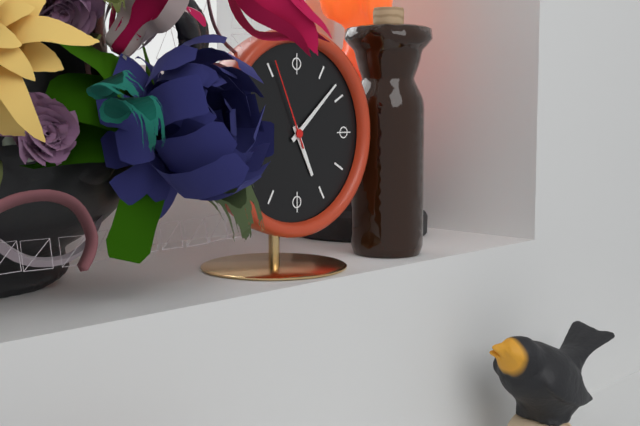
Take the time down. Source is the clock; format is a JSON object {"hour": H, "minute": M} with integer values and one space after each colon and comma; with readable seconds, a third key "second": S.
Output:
{"hour": 5, "minute": 8, "second": 56}
